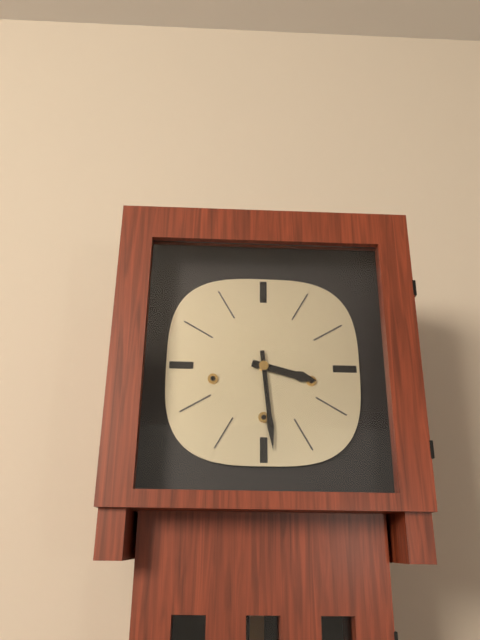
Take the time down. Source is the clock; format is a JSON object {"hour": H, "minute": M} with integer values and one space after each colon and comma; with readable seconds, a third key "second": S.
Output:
{"hour": 3, "minute": 29}
